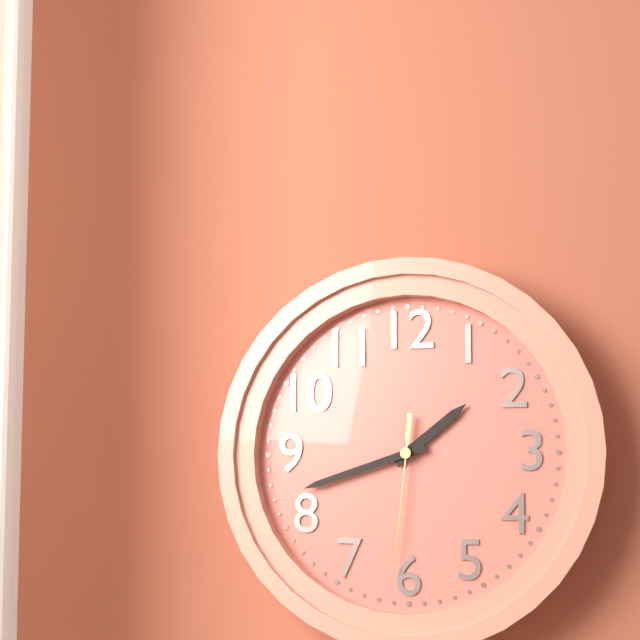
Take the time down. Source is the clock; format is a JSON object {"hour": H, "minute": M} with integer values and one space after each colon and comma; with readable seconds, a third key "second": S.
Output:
{"hour": 1, "minute": 42, "second": 31}
